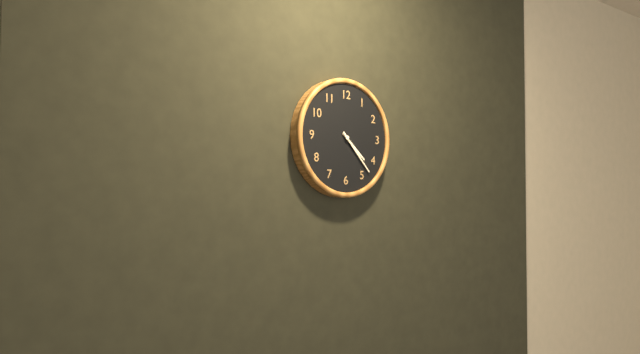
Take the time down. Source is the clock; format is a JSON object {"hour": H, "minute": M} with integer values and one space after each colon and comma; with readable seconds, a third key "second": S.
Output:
{"hour": 4, "minute": 23}
